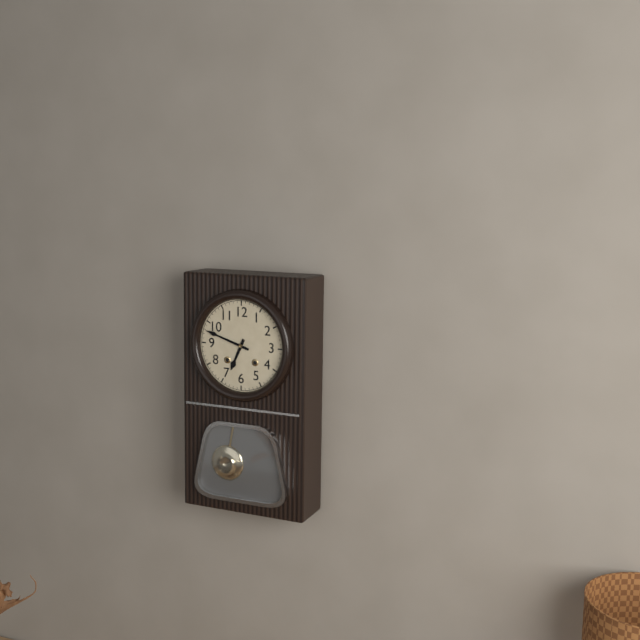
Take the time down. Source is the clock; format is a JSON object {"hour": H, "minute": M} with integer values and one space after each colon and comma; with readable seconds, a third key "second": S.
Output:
{"hour": 6, "minute": 48}
